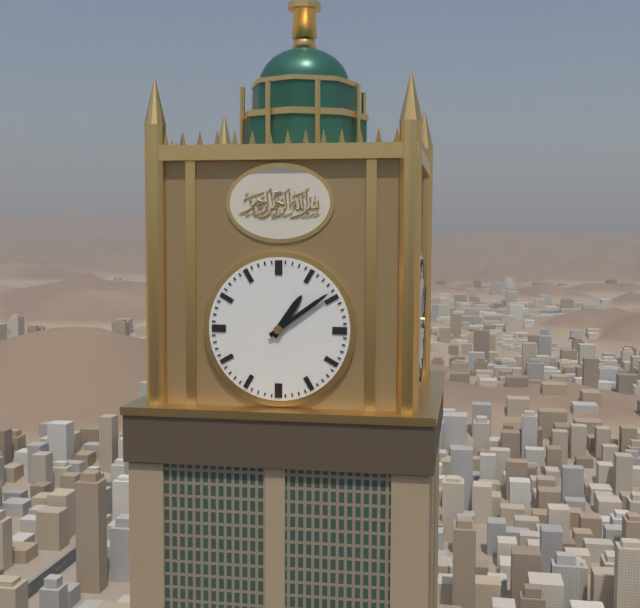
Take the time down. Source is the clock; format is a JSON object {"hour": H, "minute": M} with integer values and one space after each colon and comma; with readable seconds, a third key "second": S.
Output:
{"hour": 1, "minute": 9}
